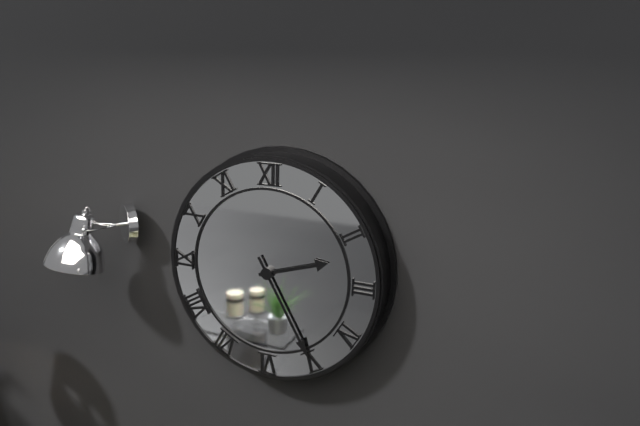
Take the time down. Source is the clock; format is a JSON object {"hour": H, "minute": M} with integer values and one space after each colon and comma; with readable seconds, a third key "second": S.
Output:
{"hour": 2, "minute": 25}
